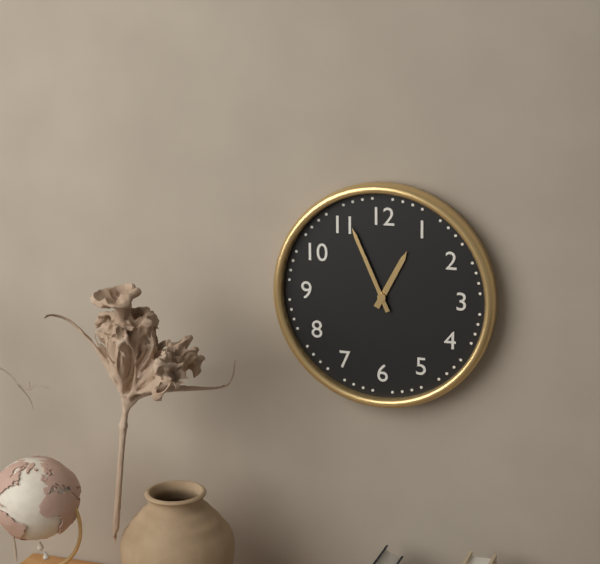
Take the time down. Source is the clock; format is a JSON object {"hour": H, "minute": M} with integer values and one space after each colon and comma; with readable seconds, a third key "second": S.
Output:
{"hour": 12, "minute": 56}
